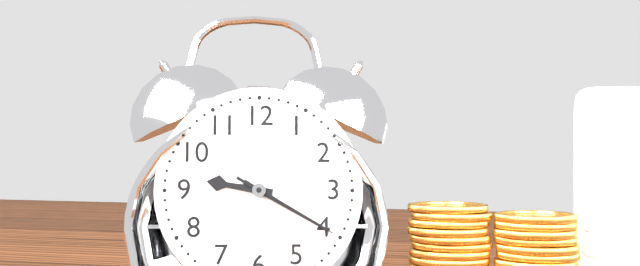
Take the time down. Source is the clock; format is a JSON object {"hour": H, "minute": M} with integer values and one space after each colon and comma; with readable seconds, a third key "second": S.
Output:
{"hour": 9, "minute": 20, "second": 20}
